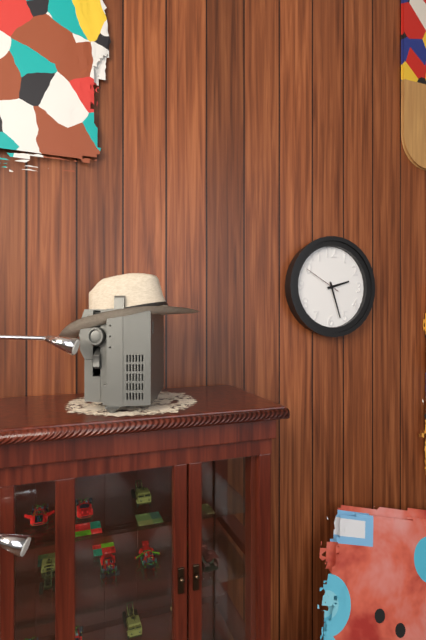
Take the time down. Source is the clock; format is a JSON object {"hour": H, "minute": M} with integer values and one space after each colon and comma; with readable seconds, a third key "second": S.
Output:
{"hour": 2, "minute": 27}
